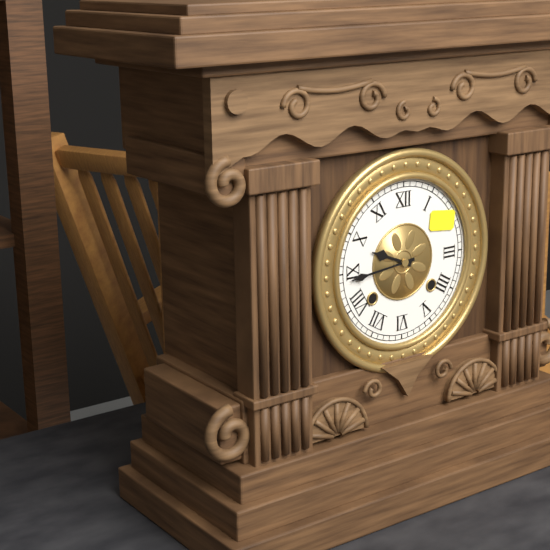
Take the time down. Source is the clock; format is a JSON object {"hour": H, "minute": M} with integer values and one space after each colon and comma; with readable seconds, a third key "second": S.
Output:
{"hour": 9, "minute": 44}
